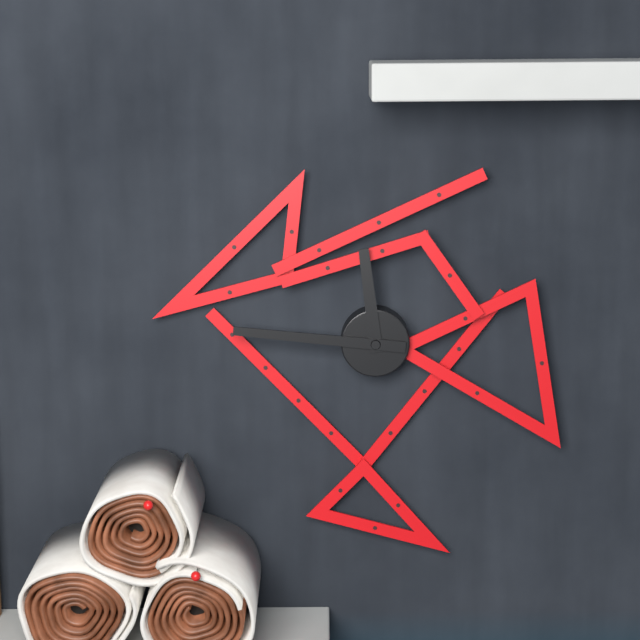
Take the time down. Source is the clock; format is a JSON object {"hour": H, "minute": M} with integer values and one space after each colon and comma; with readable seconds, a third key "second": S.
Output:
{"hour": 11, "minute": 46}
